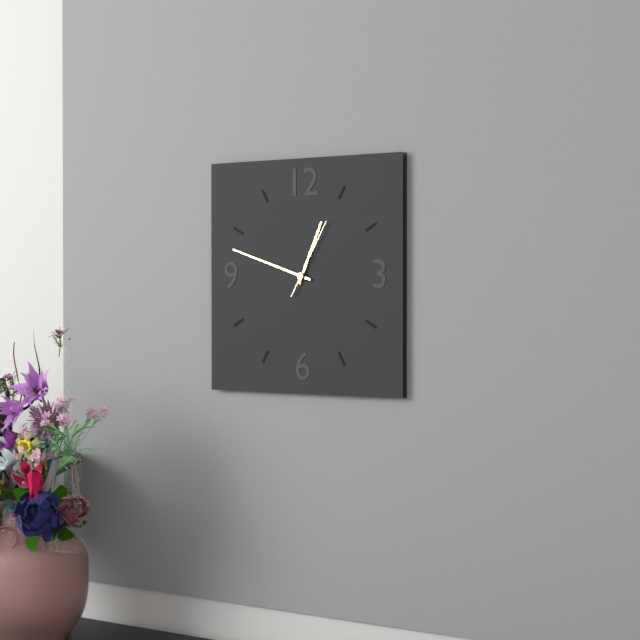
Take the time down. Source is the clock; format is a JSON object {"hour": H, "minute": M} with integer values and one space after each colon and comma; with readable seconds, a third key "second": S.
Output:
{"hour": 12, "minute": 48, "second": 5}
